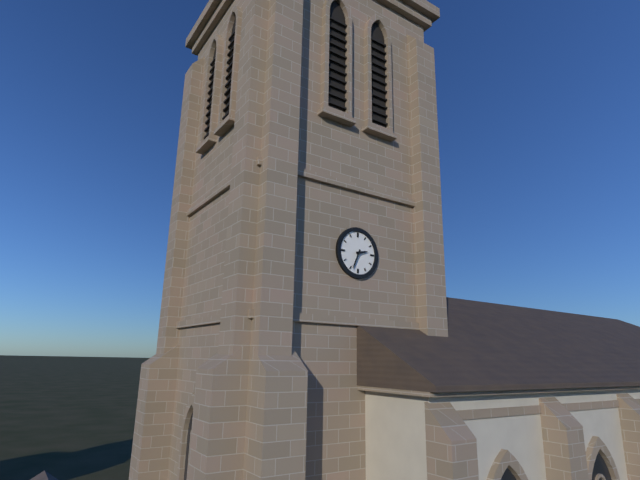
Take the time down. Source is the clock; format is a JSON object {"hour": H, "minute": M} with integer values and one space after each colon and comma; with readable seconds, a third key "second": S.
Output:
{"hour": 2, "minute": 34}
